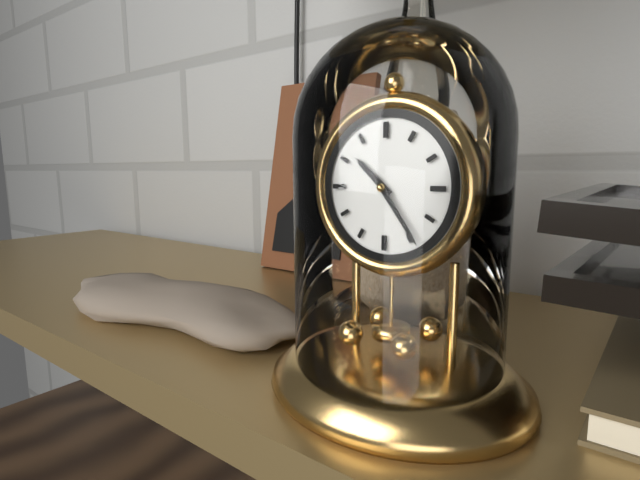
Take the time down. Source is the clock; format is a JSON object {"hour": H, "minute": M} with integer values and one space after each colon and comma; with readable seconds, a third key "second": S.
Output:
{"hour": 10, "minute": 24}
